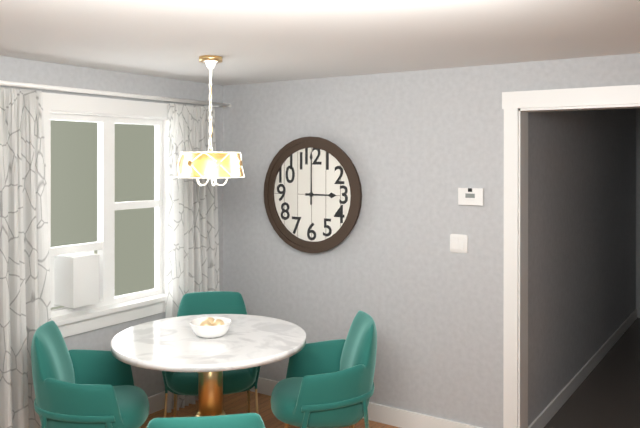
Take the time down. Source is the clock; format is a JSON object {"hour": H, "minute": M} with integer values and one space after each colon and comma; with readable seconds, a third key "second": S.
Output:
{"hour": 3, "minute": 0}
